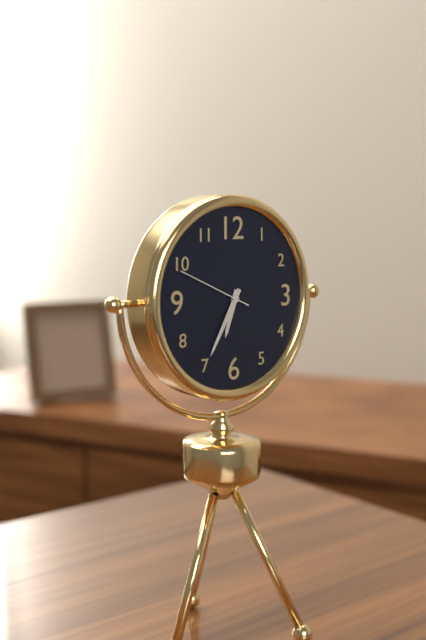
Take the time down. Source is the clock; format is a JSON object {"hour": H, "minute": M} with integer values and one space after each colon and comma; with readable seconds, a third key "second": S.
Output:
{"hour": 6, "minute": 35, "second": 49}
